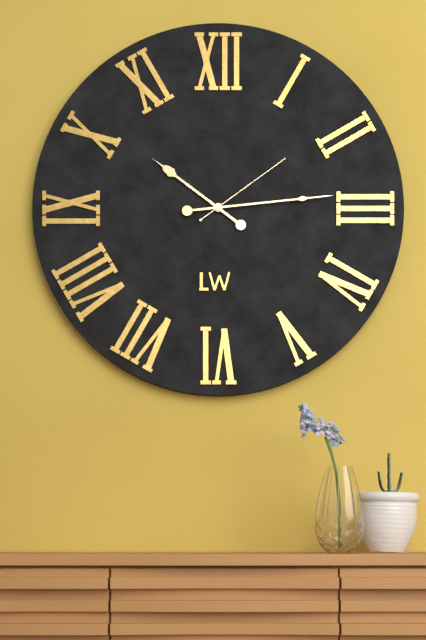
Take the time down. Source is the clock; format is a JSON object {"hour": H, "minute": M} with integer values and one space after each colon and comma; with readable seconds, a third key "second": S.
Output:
{"hour": 10, "minute": 14, "second": 9}
